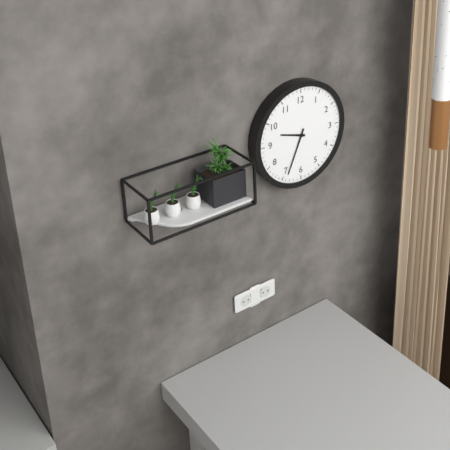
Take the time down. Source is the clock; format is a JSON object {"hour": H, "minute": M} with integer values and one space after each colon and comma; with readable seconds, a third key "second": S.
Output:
{"hour": 9, "minute": 34}
